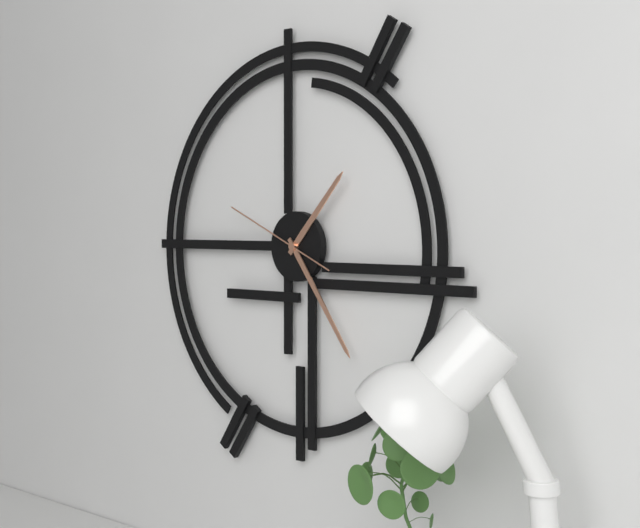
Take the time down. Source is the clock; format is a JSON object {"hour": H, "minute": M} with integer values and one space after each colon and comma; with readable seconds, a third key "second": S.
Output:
{"hour": 1, "minute": 24, "second": 49}
